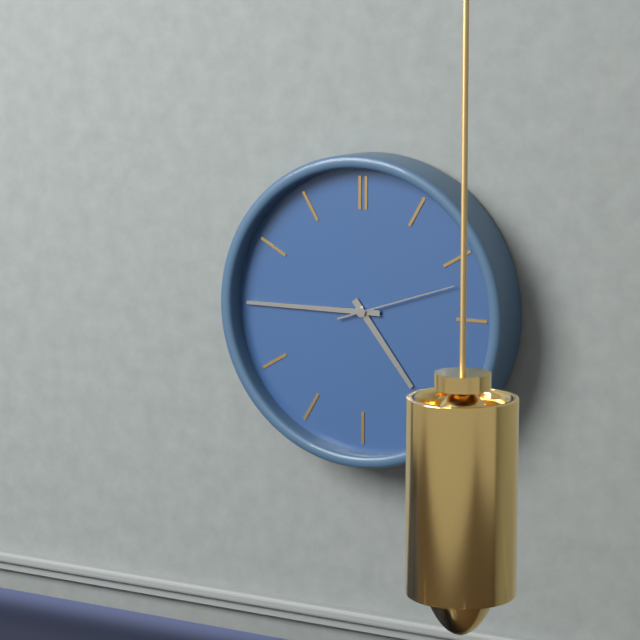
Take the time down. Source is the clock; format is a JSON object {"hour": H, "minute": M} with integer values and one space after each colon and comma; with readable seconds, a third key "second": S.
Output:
{"hour": 4, "minute": 45, "second": 12}
